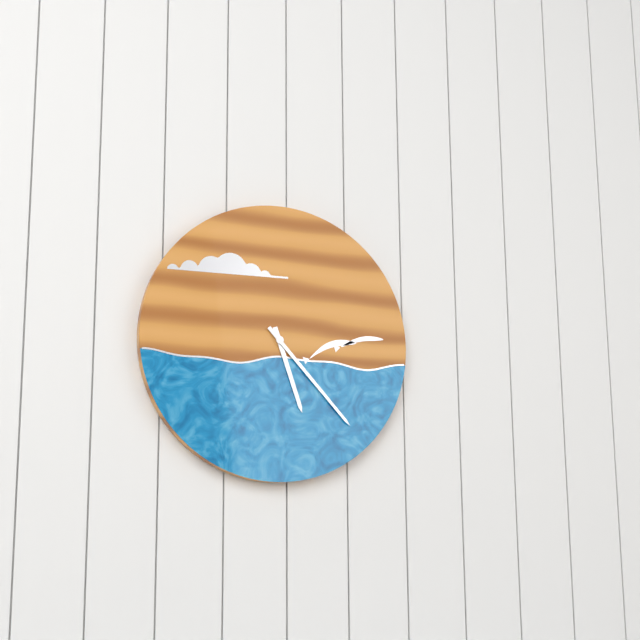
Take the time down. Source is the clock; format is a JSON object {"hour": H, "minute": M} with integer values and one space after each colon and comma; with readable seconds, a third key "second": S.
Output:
{"hour": 5, "minute": 23}
